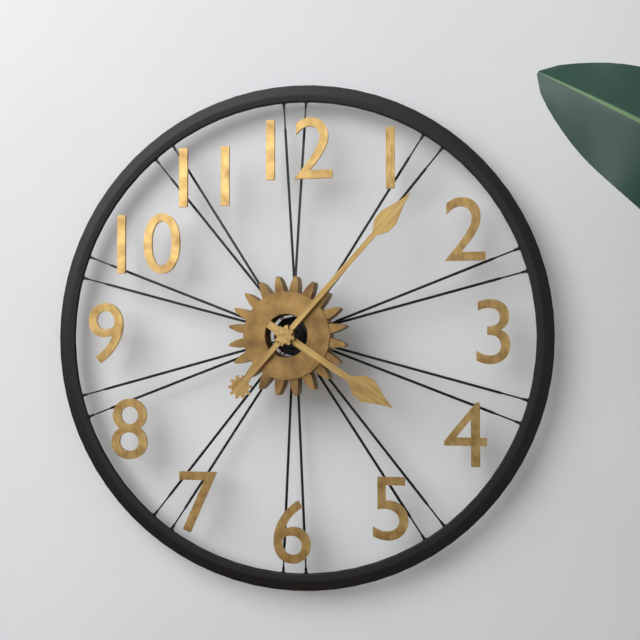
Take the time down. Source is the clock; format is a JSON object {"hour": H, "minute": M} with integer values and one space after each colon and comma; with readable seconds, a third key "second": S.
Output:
{"hour": 4, "minute": 7}
